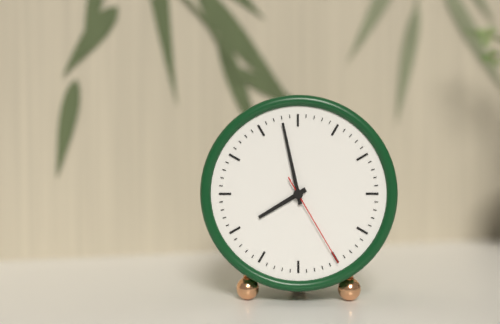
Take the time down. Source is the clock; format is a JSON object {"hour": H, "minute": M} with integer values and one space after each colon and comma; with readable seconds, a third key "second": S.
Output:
{"hour": 7, "minute": 58, "second": 25}
